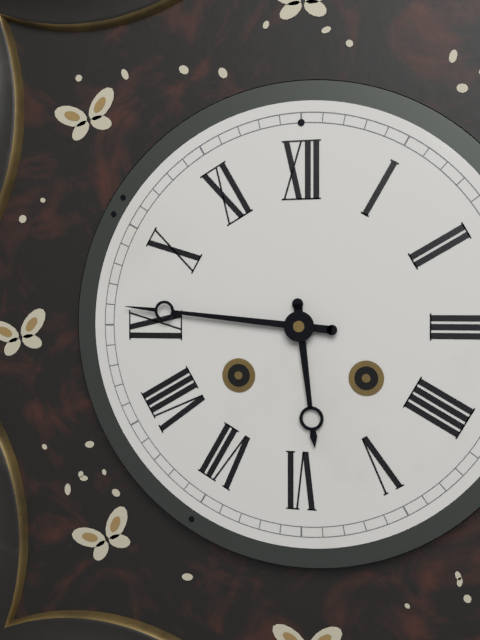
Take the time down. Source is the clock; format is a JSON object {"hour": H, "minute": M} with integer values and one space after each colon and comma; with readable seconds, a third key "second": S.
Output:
{"hour": 5, "minute": 46}
